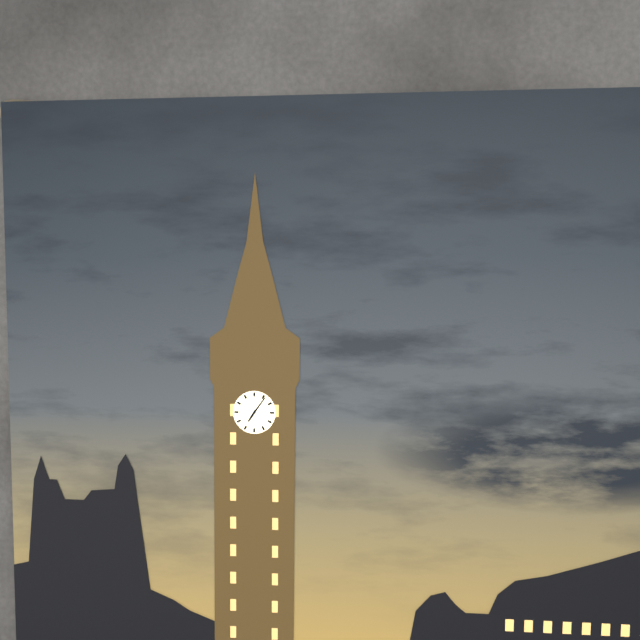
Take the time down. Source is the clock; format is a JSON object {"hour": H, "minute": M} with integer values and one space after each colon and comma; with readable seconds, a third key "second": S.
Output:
{"hour": 7, "minute": 6}
